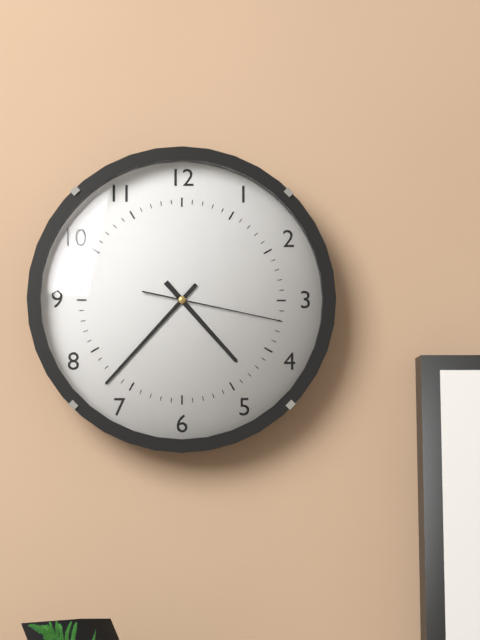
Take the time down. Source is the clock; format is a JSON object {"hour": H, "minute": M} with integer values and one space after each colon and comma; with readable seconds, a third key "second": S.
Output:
{"hour": 4, "minute": 37, "second": 17}
